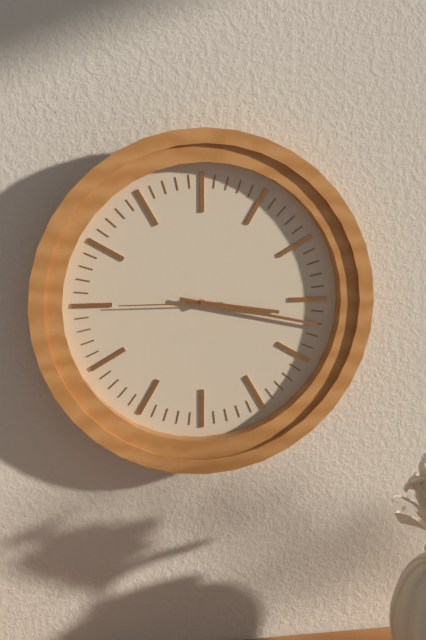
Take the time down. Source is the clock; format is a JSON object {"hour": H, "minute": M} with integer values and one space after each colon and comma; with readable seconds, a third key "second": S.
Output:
{"hour": 3, "minute": 17, "second": 45}
